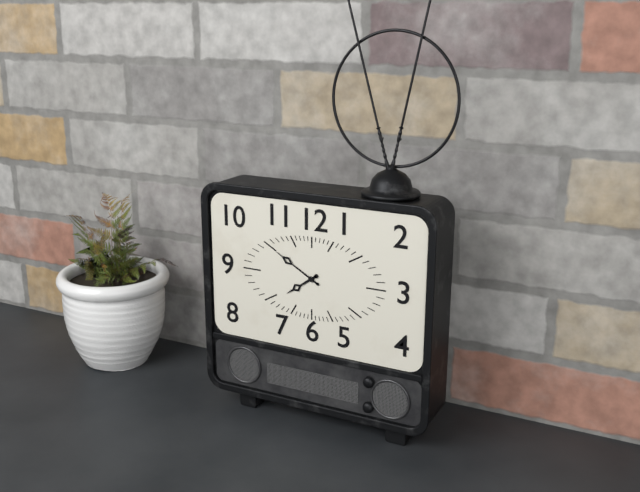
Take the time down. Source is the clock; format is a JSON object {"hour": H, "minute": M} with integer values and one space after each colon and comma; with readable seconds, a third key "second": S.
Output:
{"hour": 7, "minute": 50}
